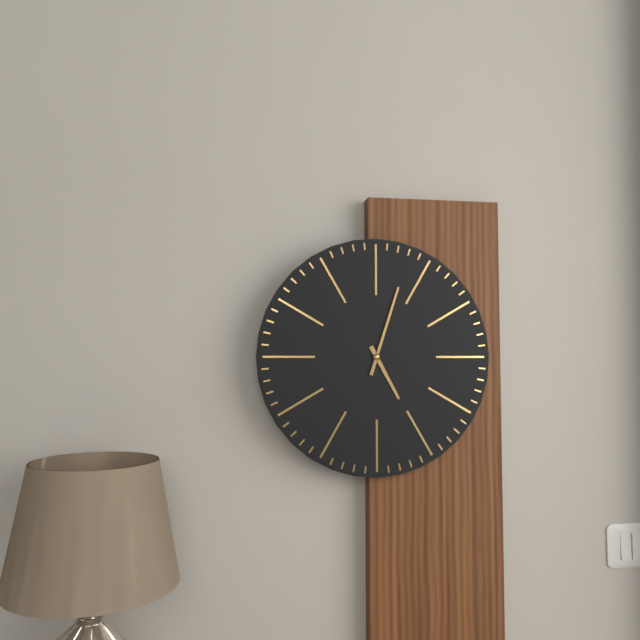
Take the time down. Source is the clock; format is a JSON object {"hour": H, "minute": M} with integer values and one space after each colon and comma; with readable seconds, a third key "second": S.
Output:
{"hour": 5, "minute": 3}
